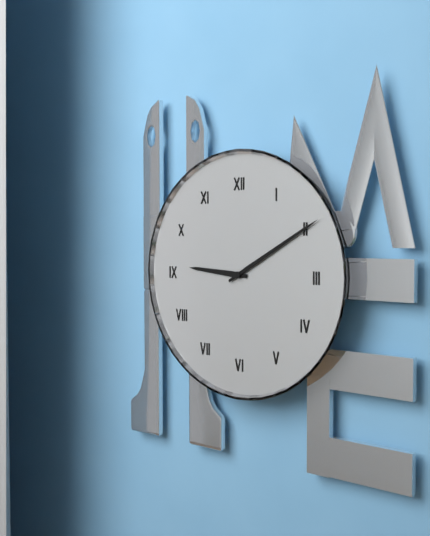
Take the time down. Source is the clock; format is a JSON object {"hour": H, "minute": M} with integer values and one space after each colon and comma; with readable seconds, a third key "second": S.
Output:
{"hour": 9, "minute": 10}
